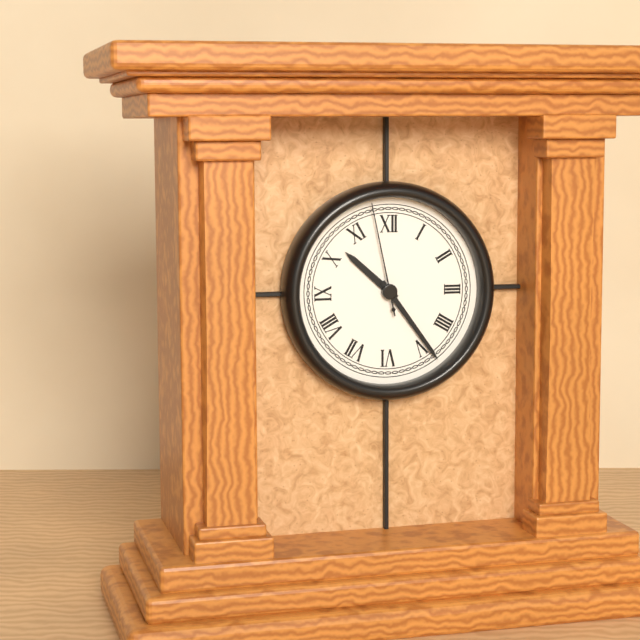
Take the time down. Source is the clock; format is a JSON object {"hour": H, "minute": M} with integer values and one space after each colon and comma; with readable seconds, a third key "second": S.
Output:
{"hour": 10, "minute": 24, "second": 58}
